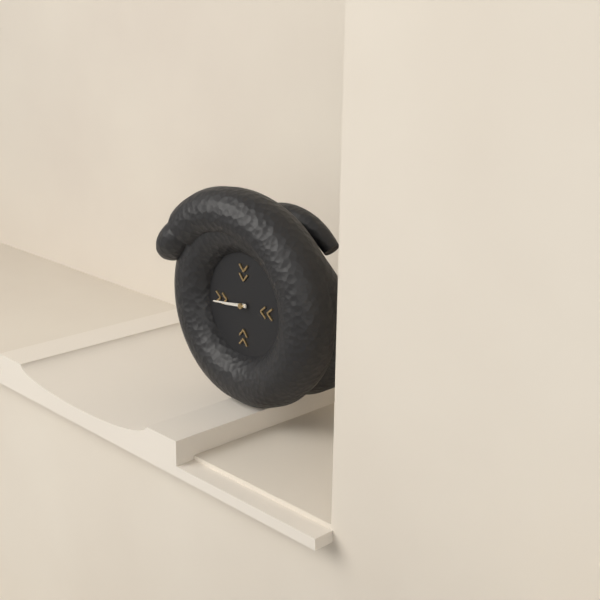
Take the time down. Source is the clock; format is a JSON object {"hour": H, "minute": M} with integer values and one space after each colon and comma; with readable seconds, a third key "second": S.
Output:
{"hour": 8, "minute": 44}
